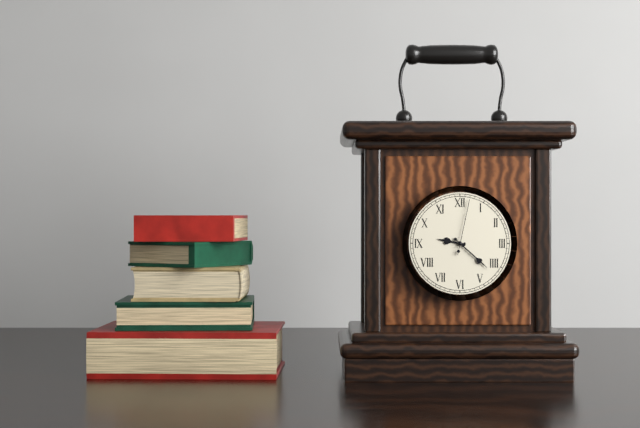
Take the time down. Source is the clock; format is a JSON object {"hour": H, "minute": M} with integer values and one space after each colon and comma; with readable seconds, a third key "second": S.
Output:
{"hour": 9, "minute": 22, "second": 2}
